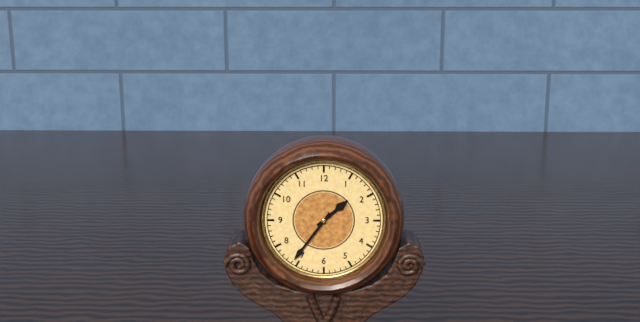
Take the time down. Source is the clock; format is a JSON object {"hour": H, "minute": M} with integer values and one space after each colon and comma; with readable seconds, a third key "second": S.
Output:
{"hour": 1, "minute": 36}
